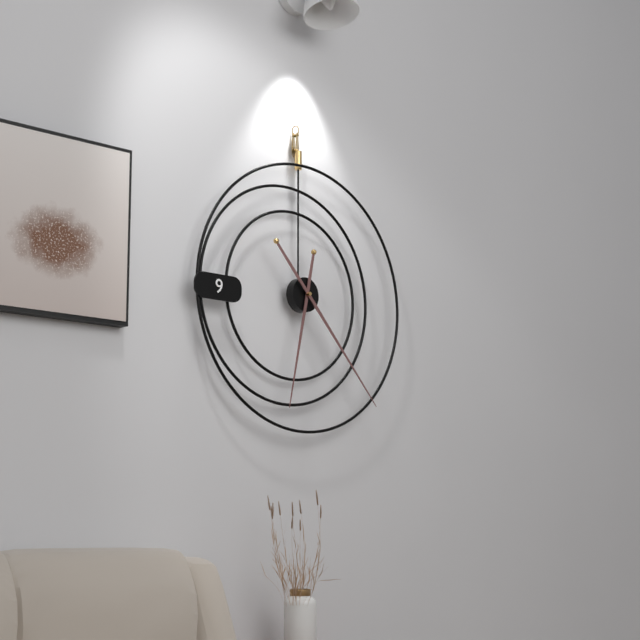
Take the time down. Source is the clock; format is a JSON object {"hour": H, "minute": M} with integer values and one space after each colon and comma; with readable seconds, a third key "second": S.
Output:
{"hour": 6, "minute": 23}
